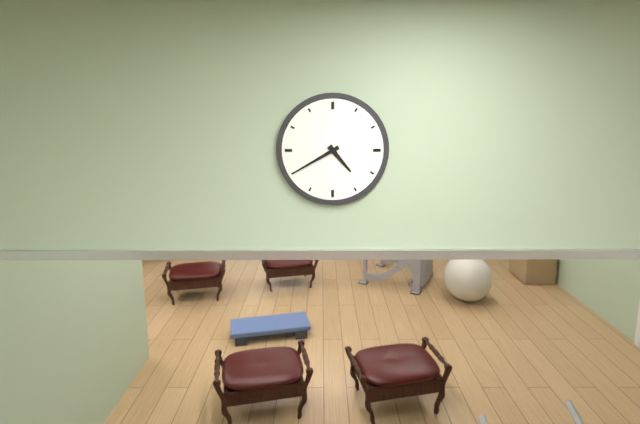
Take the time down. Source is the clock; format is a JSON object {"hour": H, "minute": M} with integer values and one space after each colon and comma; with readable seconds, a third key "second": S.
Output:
{"hour": 4, "minute": 40}
